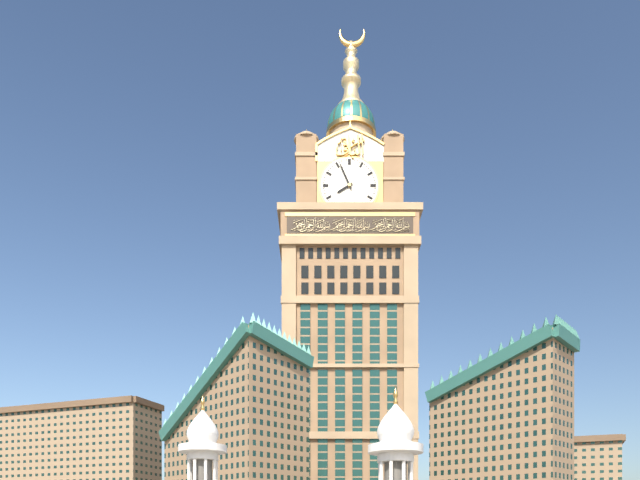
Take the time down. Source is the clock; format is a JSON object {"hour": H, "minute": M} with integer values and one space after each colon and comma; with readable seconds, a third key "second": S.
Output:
{"hour": 7, "minute": 56}
